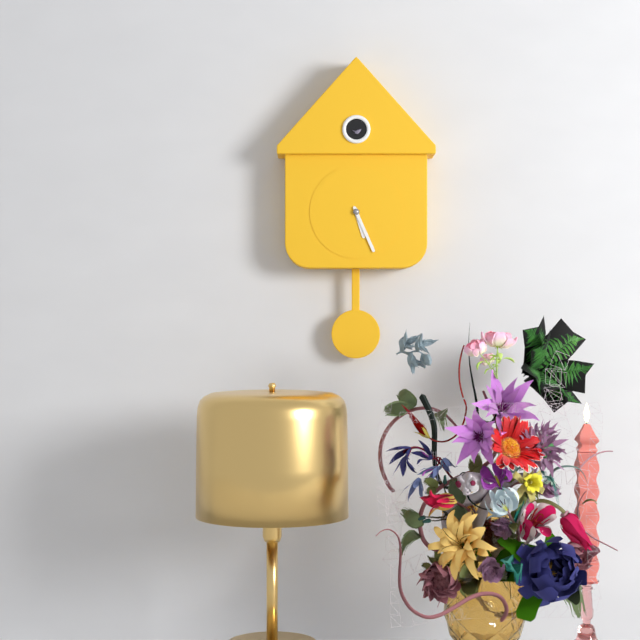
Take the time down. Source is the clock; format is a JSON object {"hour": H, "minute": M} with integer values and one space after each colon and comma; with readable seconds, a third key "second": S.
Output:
{"hour": 5, "minute": 26}
